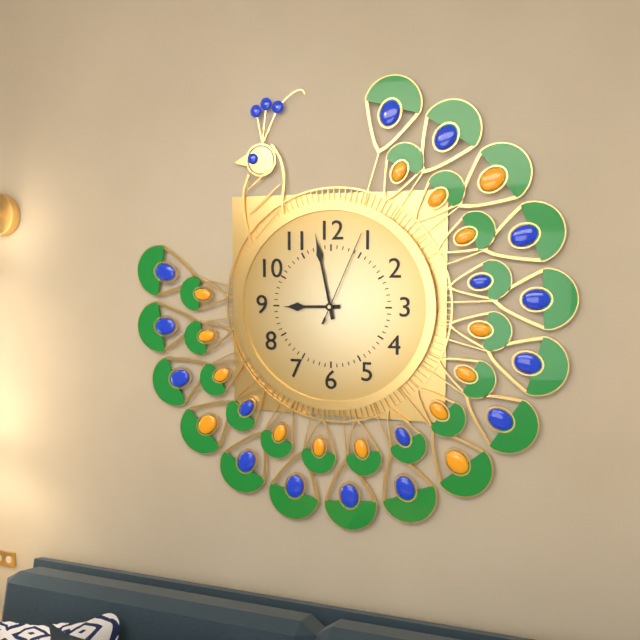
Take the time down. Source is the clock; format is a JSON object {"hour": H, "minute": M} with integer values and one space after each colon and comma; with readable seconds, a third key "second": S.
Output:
{"hour": 8, "minute": 58, "second": 4}
